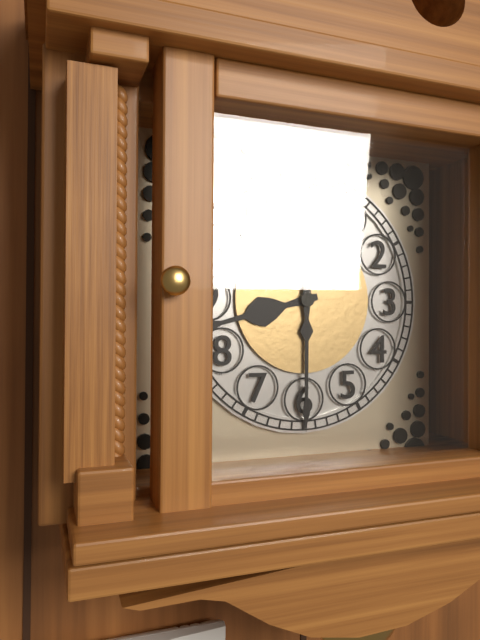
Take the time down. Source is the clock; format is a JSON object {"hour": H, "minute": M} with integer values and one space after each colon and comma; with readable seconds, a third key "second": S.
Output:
{"hour": 8, "minute": 30}
